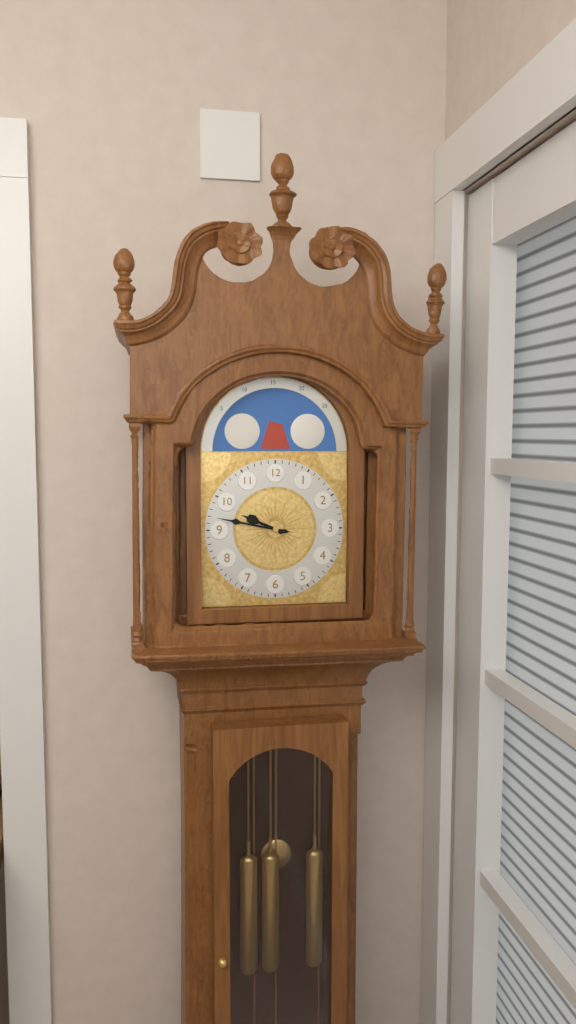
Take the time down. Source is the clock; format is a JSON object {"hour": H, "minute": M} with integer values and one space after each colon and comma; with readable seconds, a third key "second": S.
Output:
{"hour": 9, "minute": 47}
